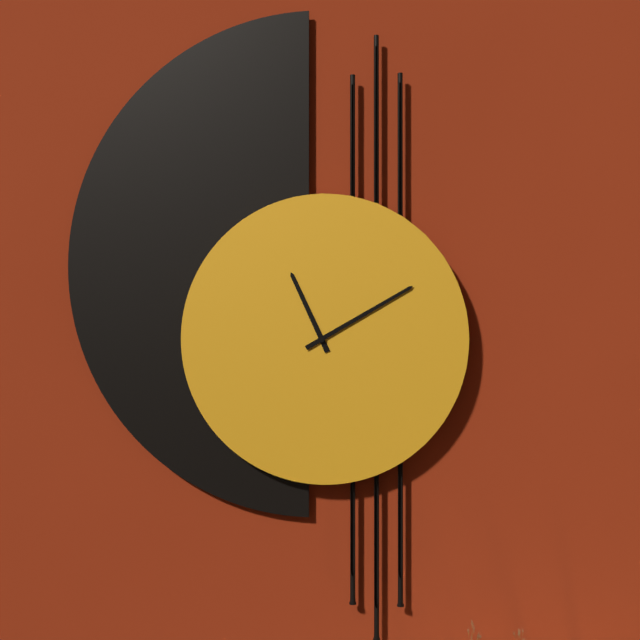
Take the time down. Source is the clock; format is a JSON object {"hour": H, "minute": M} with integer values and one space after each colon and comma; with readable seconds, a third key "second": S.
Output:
{"hour": 11, "minute": 10}
